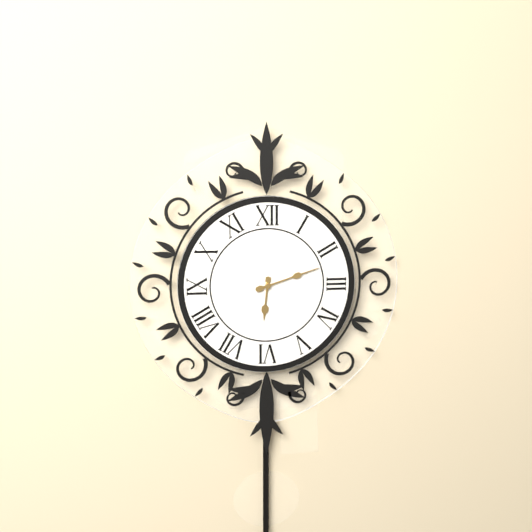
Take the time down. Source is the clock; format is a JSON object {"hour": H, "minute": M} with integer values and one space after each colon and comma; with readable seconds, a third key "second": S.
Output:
{"hour": 6, "minute": 12}
